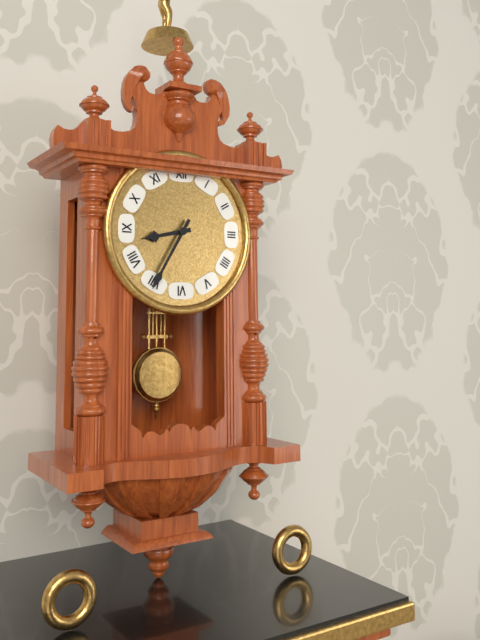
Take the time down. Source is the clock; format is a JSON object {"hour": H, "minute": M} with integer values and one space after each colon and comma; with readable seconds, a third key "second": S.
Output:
{"hour": 8, "minute": 35}
